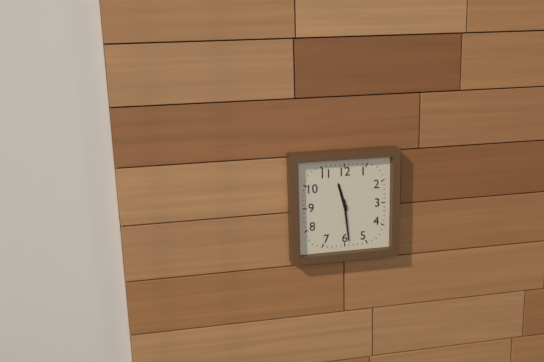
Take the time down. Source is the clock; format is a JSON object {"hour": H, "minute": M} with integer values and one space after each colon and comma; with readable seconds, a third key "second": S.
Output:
{"hour": 11, "minute": 29}
